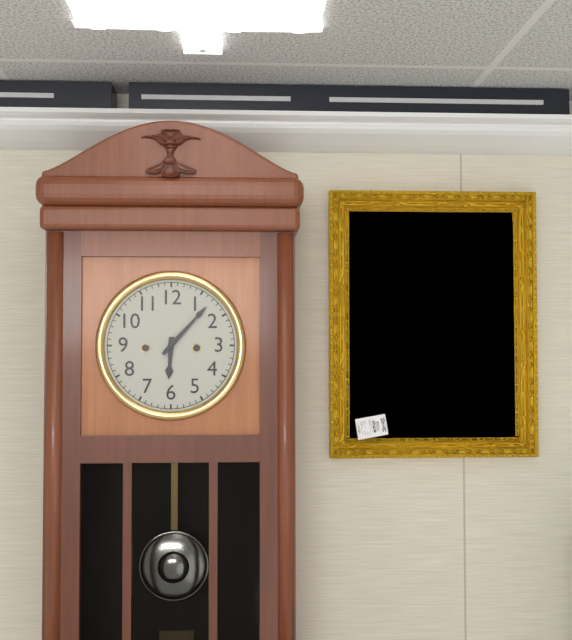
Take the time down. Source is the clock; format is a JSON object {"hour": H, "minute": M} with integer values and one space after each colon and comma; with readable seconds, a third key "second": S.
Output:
{"hour": 6, "minute": 7}
